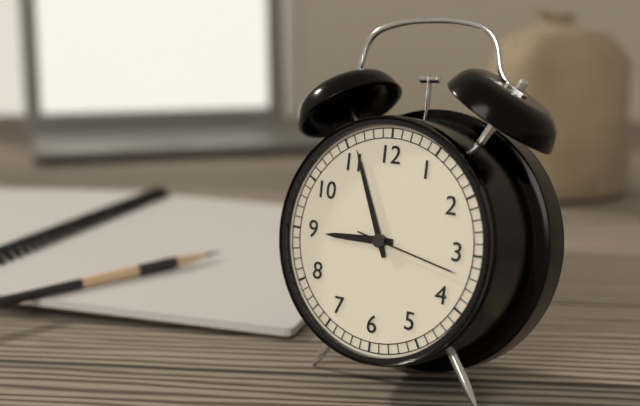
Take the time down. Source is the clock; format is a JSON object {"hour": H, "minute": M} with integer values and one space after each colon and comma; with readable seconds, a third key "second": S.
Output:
{"hour": 8, "minute": 56, "second": 17}
